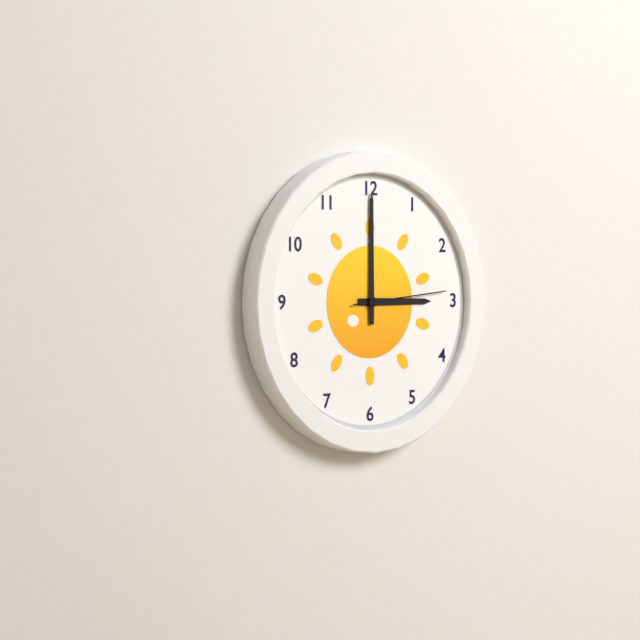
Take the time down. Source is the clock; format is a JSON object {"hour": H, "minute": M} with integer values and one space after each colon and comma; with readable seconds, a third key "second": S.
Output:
{"hour": 3, "minute": 0, "second": 14}
